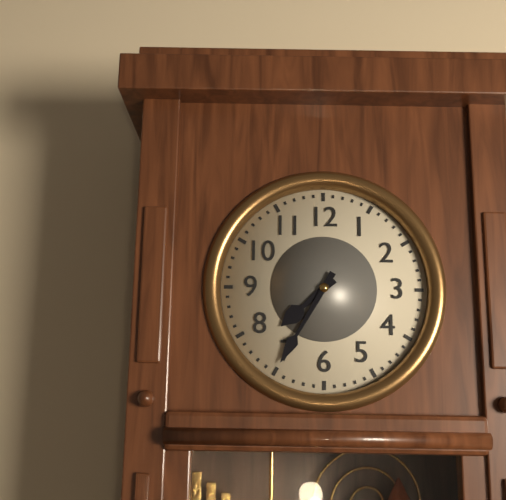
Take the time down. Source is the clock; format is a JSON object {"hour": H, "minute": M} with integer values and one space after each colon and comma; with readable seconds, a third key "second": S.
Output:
{"hour": 7, "minute": 35}
